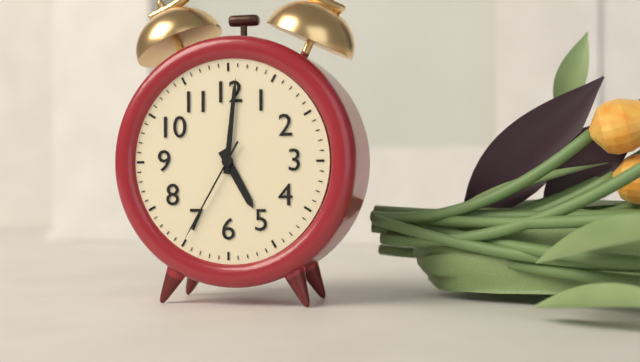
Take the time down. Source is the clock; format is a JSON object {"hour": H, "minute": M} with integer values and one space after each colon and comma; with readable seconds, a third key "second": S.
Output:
{"hour": 5, "minute": 1, "second": 35}
